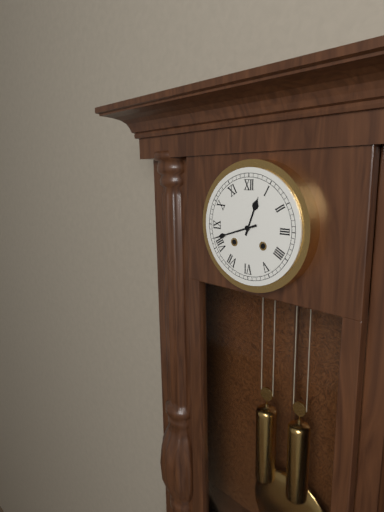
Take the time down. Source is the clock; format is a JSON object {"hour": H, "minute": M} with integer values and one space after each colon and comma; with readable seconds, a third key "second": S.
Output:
{"hour": 12, "minute": 42}
